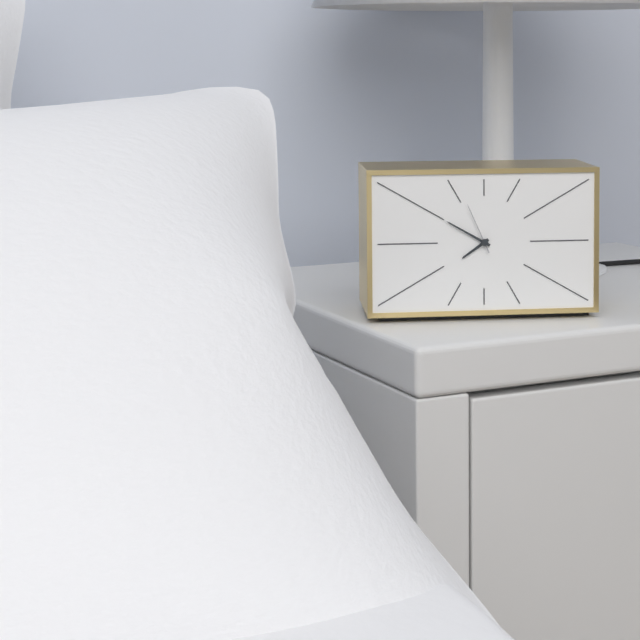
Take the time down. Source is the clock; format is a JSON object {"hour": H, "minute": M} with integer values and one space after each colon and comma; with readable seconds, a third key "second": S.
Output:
{"hour": 7, "minute": 50, "second": 56}
